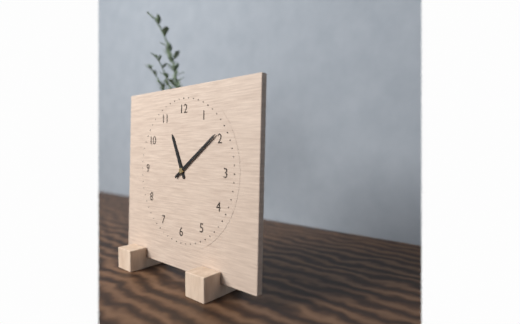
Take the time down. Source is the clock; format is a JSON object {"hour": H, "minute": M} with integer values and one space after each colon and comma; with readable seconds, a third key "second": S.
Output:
{"hour": 11, "minute": 9}
